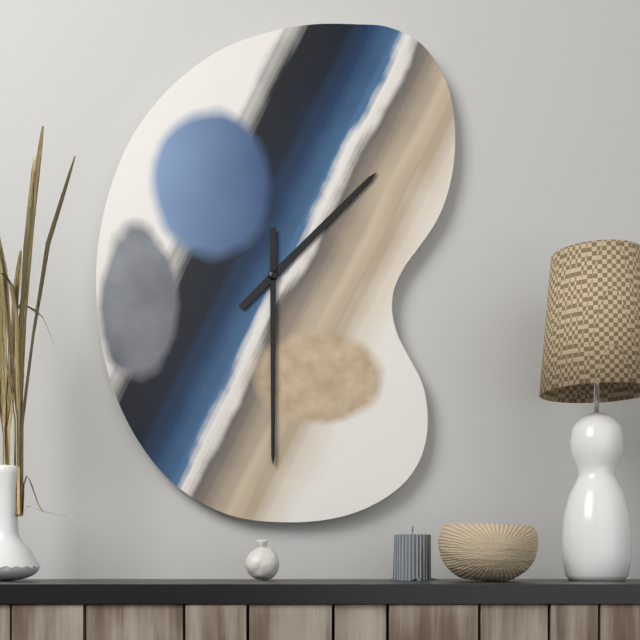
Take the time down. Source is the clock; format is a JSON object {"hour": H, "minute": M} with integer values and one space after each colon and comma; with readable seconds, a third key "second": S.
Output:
{"hour": 1, "minute": 30}
